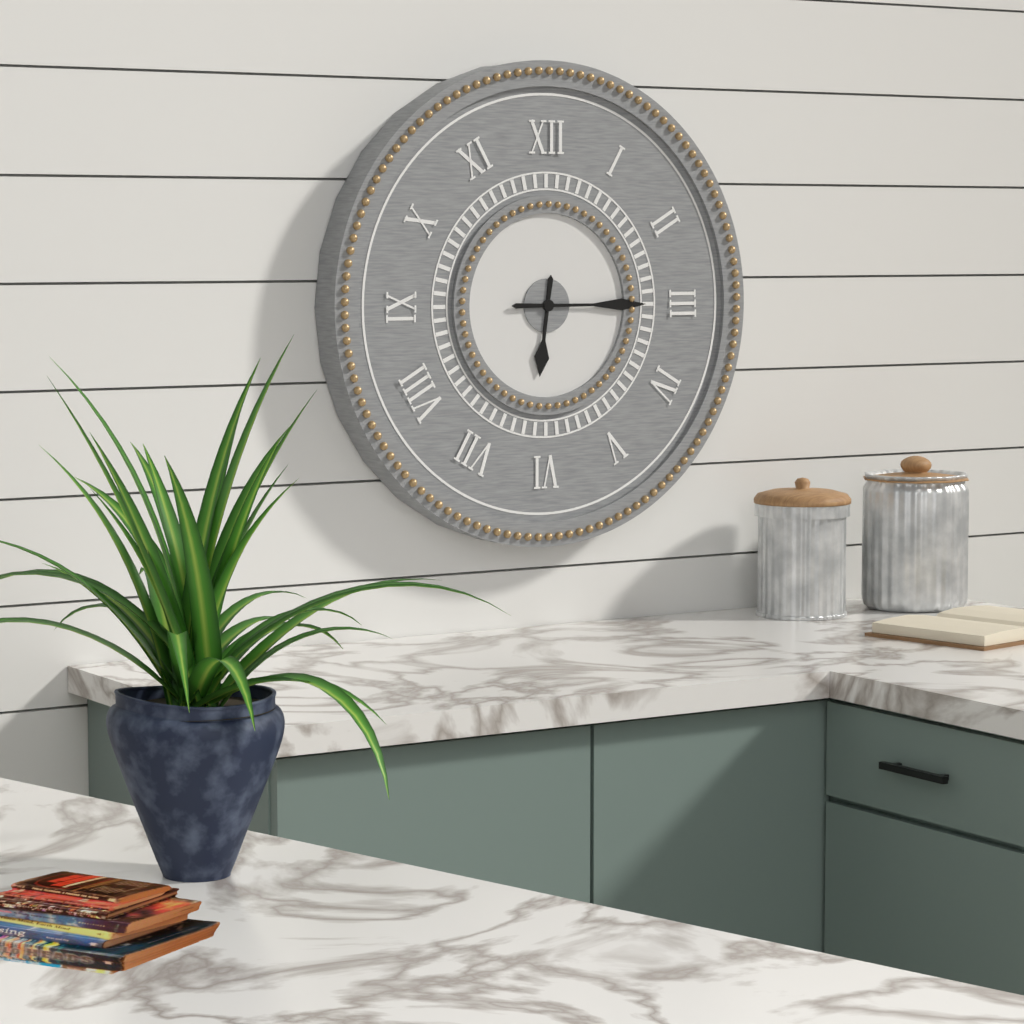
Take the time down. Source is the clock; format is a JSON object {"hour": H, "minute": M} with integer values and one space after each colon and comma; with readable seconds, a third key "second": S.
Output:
{"hour": 6, "minute": 15}
